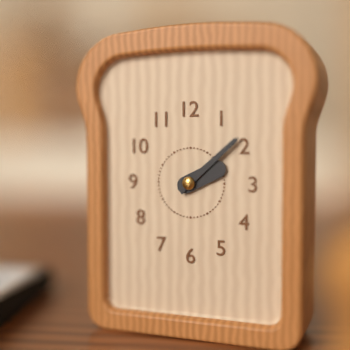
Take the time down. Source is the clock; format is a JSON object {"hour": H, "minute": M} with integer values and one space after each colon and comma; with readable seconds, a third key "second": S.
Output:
{"hour": 2, "minute": 8}
